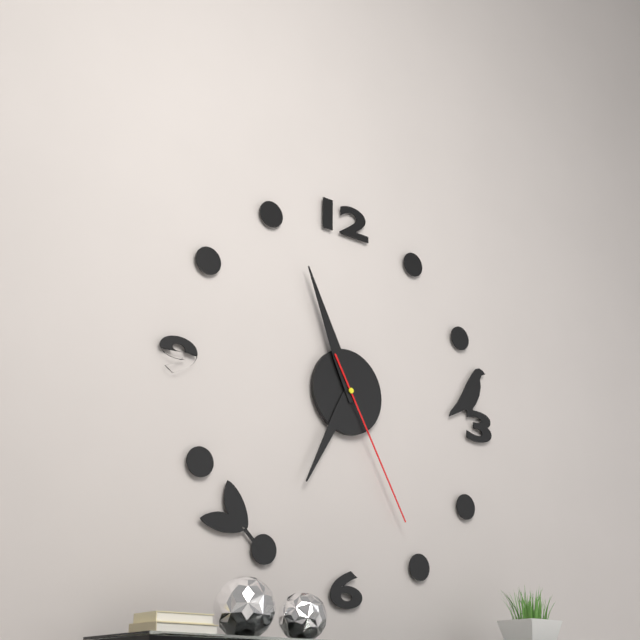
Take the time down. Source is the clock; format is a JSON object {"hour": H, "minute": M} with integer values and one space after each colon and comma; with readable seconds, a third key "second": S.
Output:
{"hour": 6, "minute": 56, "second": 25}
